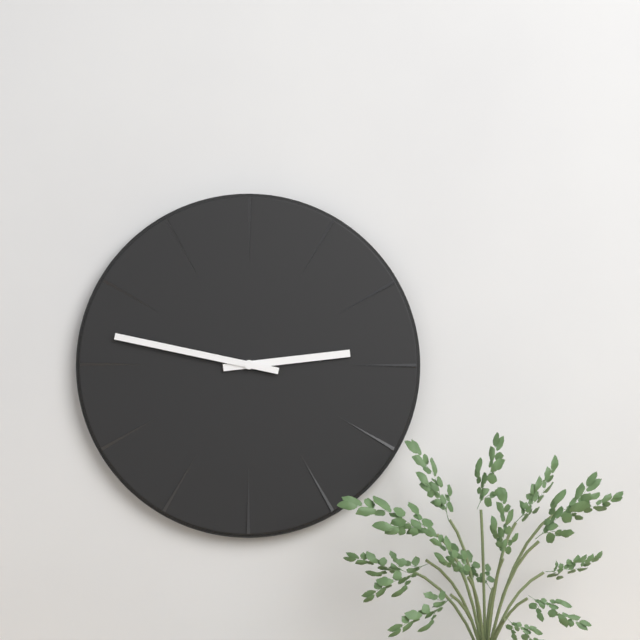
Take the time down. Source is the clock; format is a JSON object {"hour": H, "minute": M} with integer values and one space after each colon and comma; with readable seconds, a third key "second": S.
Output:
{"hour": 2, "minute": 47}
